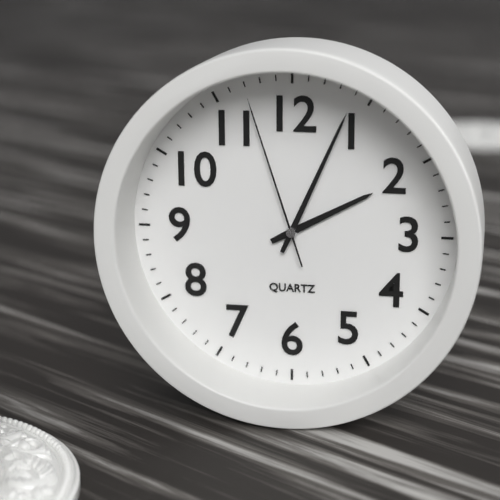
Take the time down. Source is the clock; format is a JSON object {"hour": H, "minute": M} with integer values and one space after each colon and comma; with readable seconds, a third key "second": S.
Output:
{"hour": 2, "minute": 4, "second": 57}
